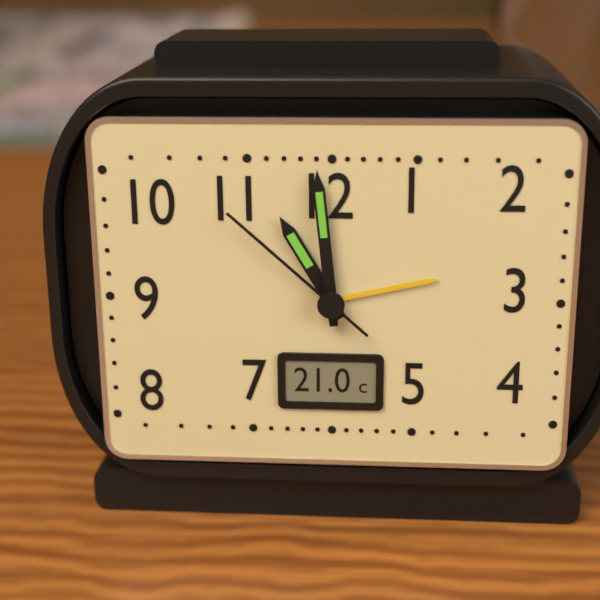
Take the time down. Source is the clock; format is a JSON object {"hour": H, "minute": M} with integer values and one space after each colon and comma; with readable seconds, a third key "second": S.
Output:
{"hour": 10, "minute": 59, "second": 52}
